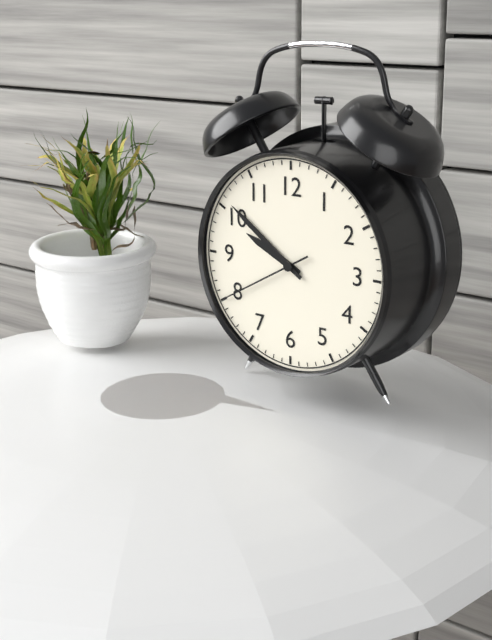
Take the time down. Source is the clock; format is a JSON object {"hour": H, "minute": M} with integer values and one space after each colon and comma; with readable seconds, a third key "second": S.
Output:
{"hour": 9, "minute": 51, "second": 40}
